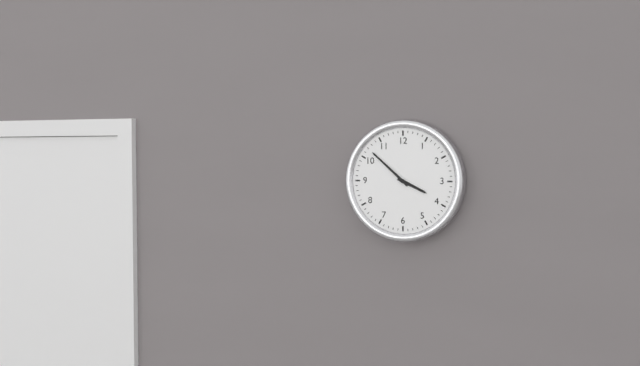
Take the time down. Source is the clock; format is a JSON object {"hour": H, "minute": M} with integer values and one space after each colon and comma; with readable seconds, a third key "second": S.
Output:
{"hour": 3, "minute": 52}
